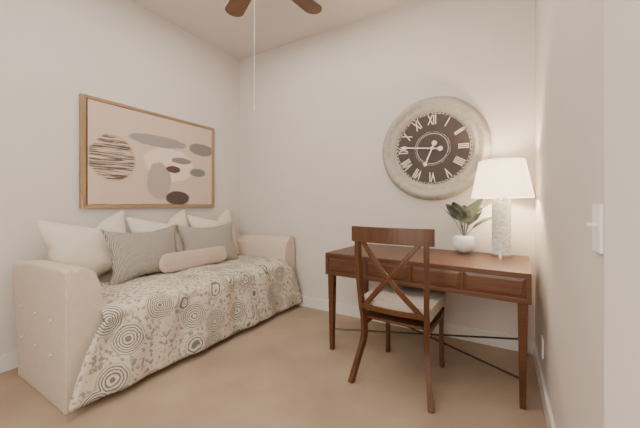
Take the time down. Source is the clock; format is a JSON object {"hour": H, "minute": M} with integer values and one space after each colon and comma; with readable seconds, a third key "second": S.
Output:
{"hour": 6, "minute": 46}
